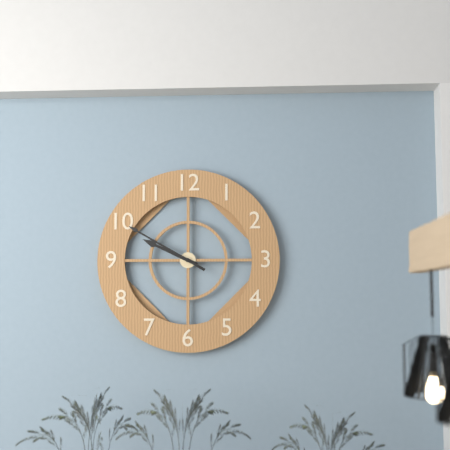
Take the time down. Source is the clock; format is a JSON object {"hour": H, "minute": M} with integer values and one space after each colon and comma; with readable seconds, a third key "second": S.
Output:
{"hour": 9, "minute": 50}
